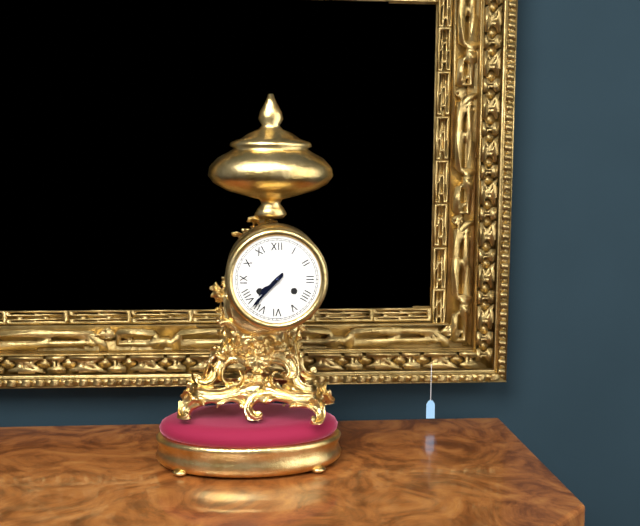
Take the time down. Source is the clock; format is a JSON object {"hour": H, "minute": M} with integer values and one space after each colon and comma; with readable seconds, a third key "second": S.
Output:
{"hour": 7, "minute": 37}
